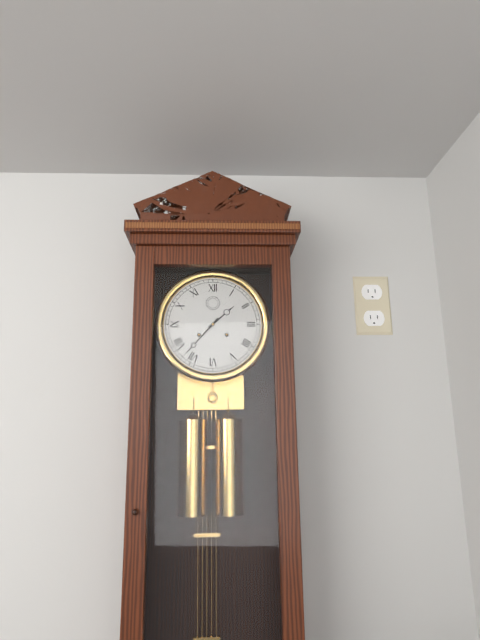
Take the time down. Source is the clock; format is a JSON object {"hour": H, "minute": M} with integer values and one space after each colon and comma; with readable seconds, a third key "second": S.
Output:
{"hour": 1, "minute": 37}
